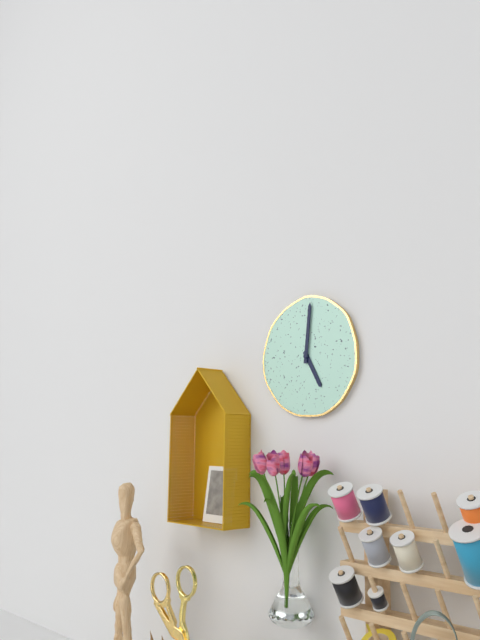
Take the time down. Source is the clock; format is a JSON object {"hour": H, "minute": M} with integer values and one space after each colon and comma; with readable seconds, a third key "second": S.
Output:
{"hour": 5, "minute": 1}
